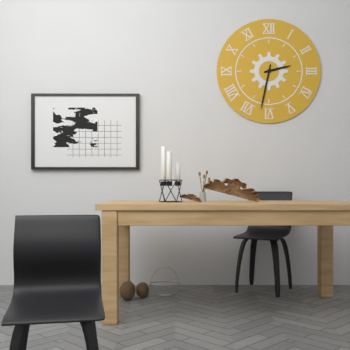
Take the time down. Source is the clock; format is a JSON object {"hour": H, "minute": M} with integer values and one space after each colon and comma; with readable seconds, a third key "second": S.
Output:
{"hour": 2, "minute": 32}
